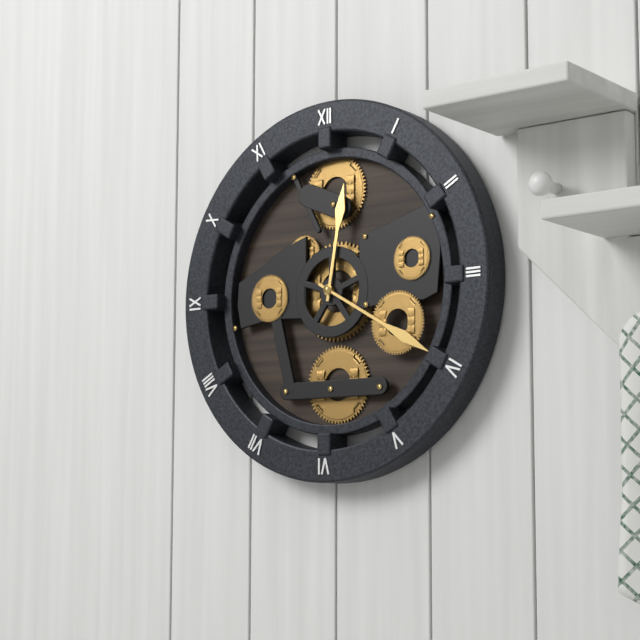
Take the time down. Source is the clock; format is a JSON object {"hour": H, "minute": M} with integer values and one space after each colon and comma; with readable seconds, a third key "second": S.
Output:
{"hour": 12, "minute": 20}
